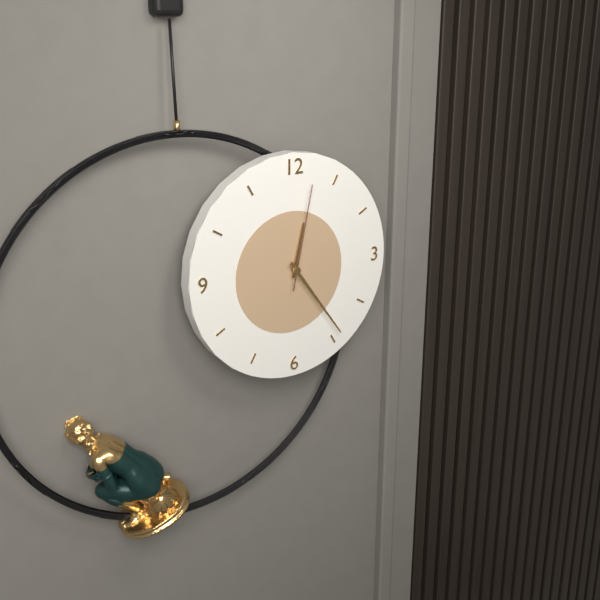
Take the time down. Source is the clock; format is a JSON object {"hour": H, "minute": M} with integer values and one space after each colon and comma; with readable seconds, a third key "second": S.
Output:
{"hour": 12, "minute": 24, "second": 2}
